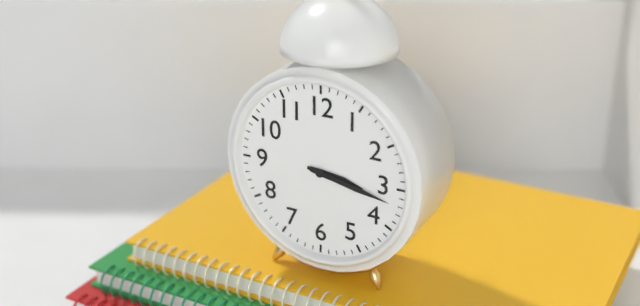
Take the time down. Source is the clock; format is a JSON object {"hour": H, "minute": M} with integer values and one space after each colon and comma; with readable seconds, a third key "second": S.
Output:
{"hour": 3, "minute": 17}
